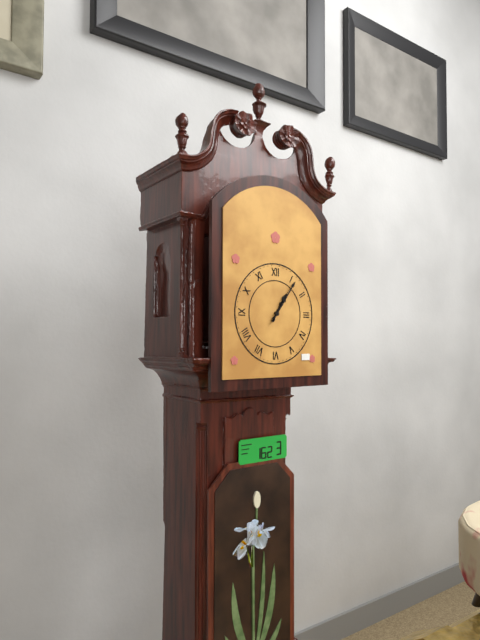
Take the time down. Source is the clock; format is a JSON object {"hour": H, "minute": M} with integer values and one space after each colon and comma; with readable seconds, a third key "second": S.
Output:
{"hour": 1, "minute": 6}
